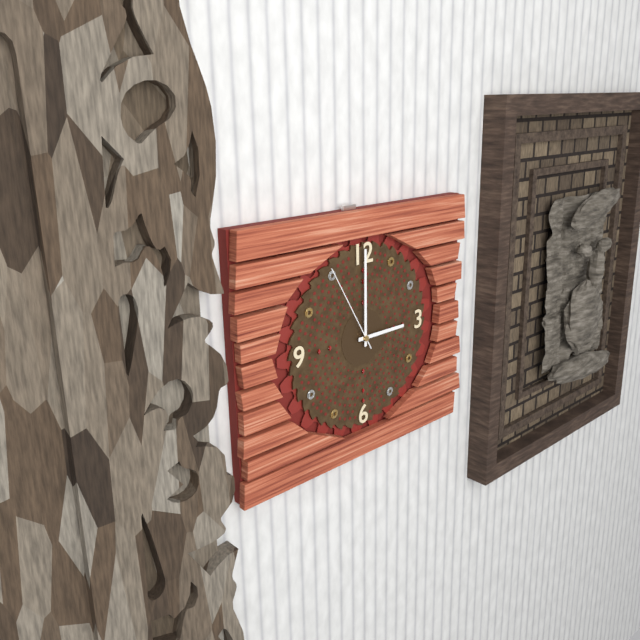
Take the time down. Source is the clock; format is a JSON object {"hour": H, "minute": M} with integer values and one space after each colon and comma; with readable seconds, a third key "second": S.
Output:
{"hour": 3, "minute": 0, "second": 55}
